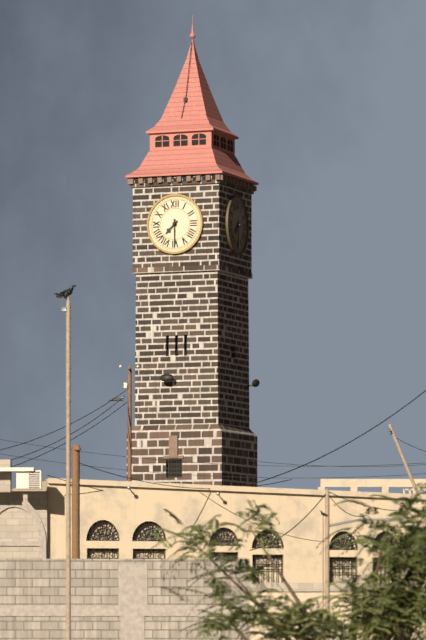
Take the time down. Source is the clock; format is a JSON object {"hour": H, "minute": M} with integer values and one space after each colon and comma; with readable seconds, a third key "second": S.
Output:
{"hour": 7, "minute": 30}
